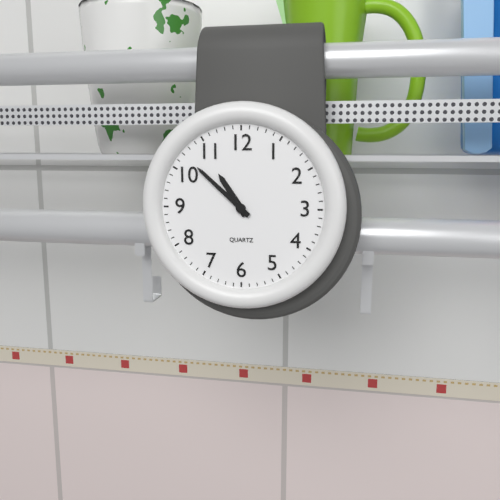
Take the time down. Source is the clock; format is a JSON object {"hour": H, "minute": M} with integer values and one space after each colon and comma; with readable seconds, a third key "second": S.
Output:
{"hour": 10, "minute": 52}
